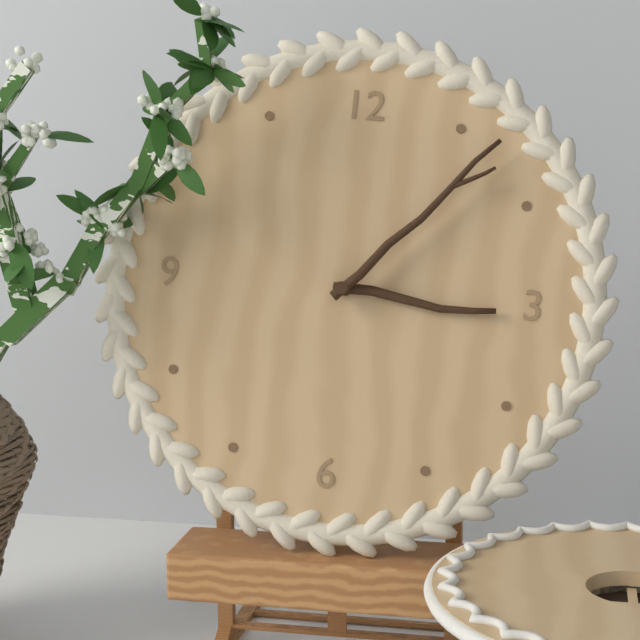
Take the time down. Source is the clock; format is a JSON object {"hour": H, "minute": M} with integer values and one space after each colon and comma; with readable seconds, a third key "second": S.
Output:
{"hour": 3, "minute": 7}
